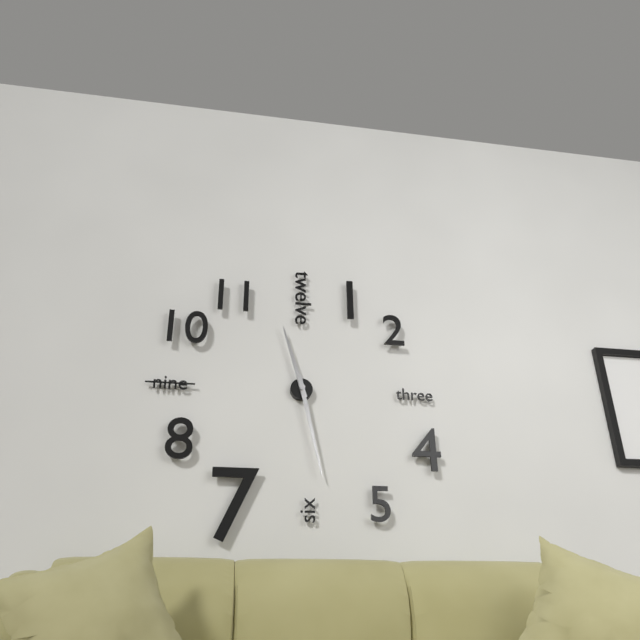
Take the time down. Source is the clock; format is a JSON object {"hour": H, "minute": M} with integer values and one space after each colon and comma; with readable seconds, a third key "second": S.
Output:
{"hour": 11, "minute": 28}
